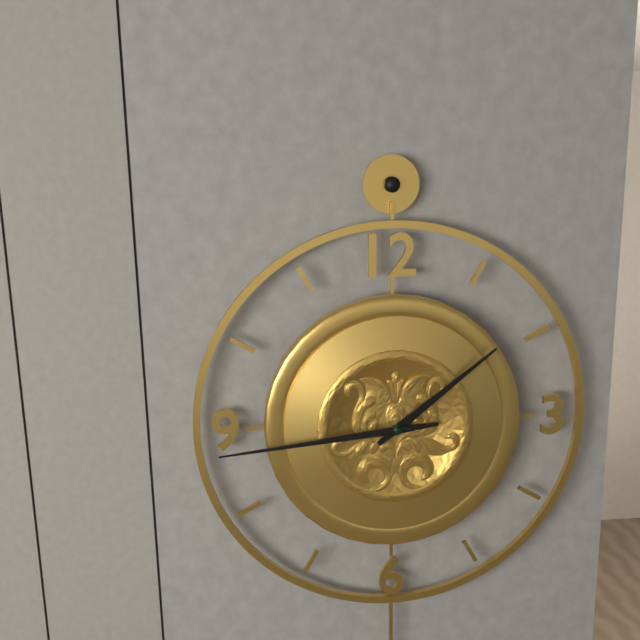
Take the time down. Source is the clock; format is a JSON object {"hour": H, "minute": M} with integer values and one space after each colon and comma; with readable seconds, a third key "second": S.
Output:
{"hour": 1, "minute": 44}
